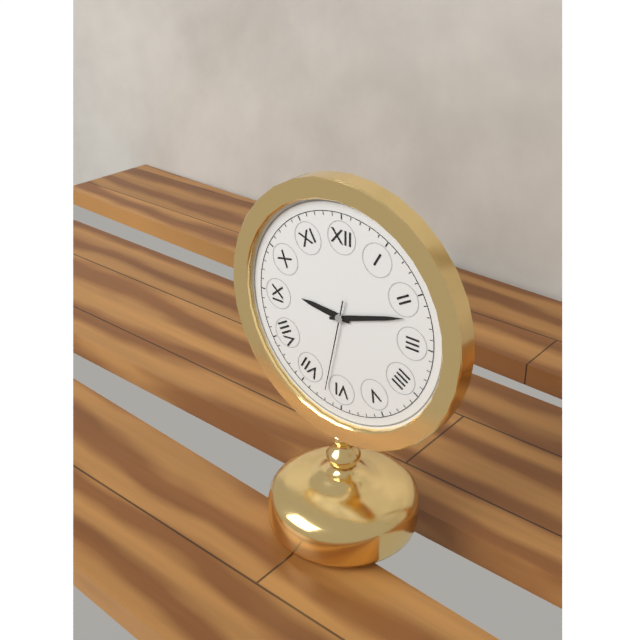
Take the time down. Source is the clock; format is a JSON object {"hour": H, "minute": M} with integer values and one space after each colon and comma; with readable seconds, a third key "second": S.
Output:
{"hour": 9, "minute": 12, "second": 32}
